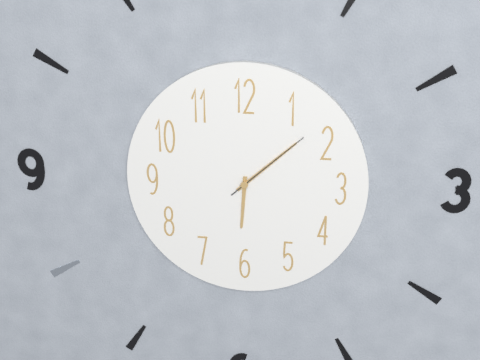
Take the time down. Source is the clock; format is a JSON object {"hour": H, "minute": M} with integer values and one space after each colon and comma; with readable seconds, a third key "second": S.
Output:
{"hour": 6, "minute": 8, "second": 8}
